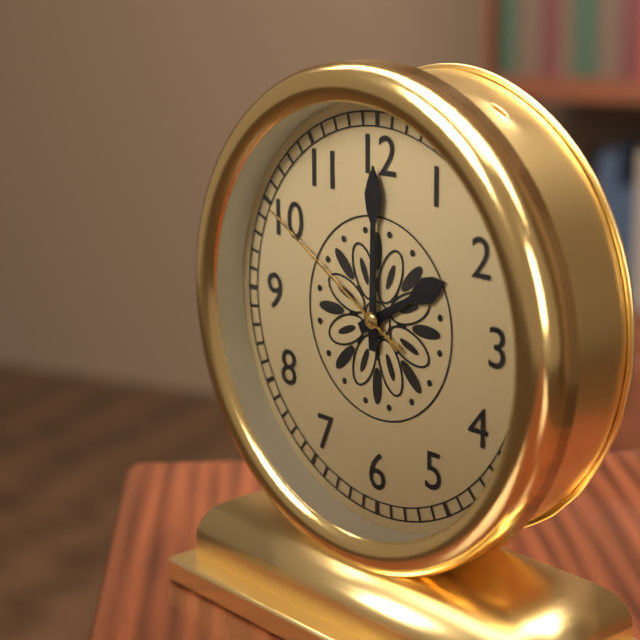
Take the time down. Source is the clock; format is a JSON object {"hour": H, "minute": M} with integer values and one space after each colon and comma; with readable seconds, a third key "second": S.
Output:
{"hour": 2, "minute": 0, "second": 50}
